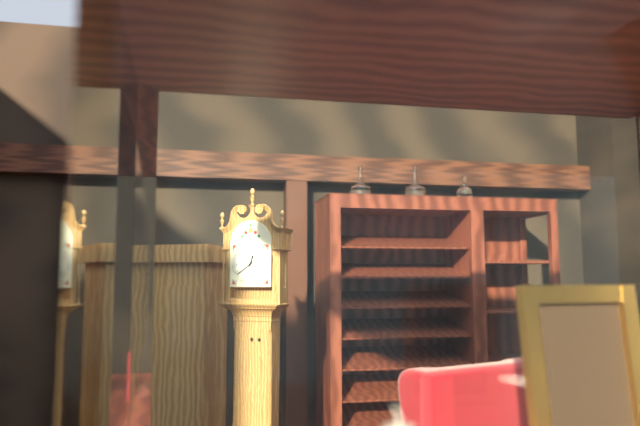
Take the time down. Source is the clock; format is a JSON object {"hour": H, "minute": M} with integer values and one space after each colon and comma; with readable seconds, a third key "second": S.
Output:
{"hour": 12, "minute": 39}
